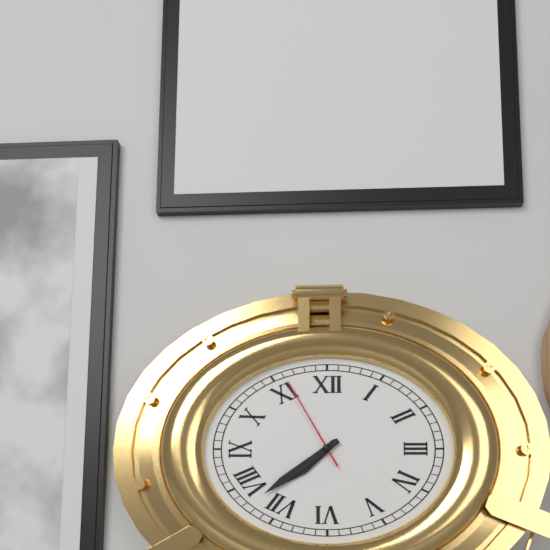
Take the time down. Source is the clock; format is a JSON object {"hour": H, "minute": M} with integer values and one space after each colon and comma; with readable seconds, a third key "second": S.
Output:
{"hour": 7, "minute": 39, "second": 55}
